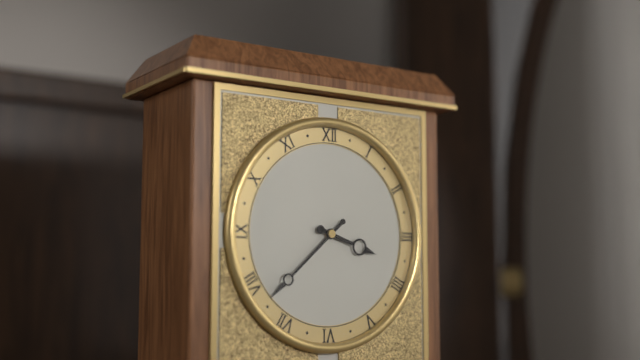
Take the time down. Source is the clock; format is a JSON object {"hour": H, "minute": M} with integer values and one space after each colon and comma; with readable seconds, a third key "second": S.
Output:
{"hour": 3, "minute": 38}
